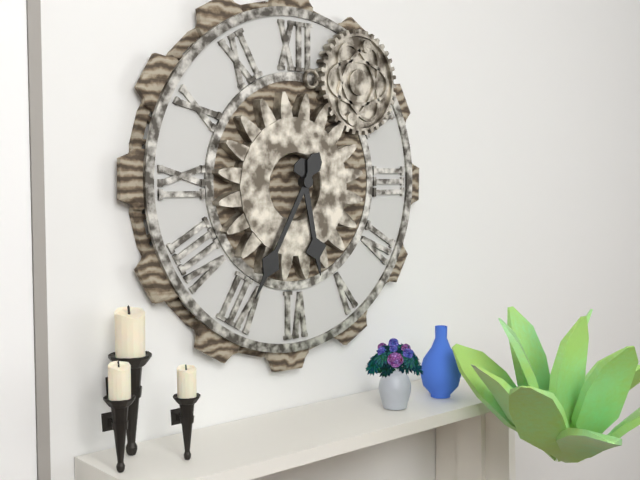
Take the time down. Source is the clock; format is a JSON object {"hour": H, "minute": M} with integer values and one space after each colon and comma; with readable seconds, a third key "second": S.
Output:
{"hour": 5, "minute": 35}
